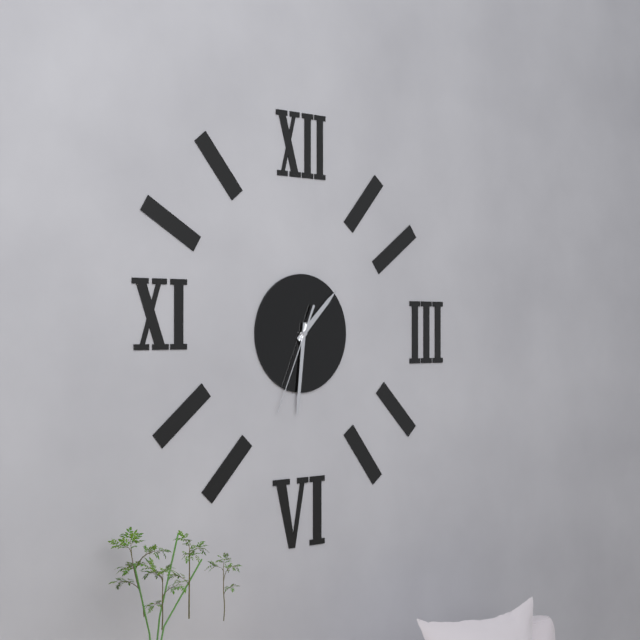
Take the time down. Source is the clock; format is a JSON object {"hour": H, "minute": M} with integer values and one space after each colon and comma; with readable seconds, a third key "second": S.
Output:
{"hour": 1, "minute": 31, "second": 34}
